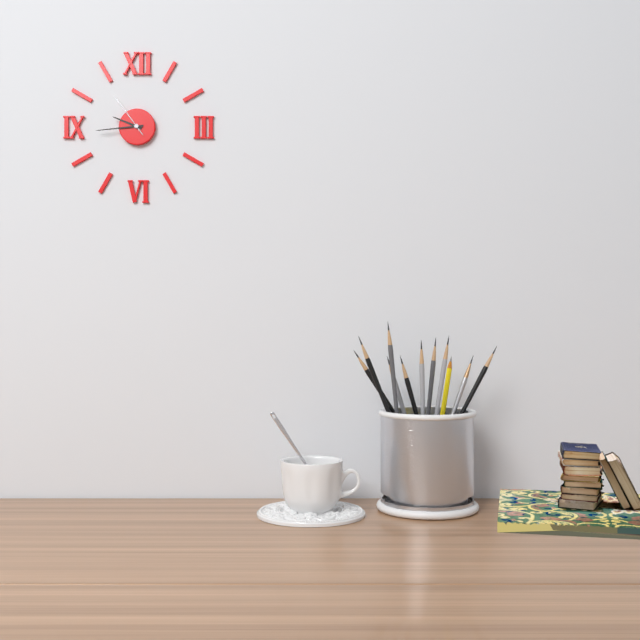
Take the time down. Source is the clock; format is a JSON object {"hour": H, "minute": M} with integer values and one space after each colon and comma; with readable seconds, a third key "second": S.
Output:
{"hour": 9, "minute": 44}
